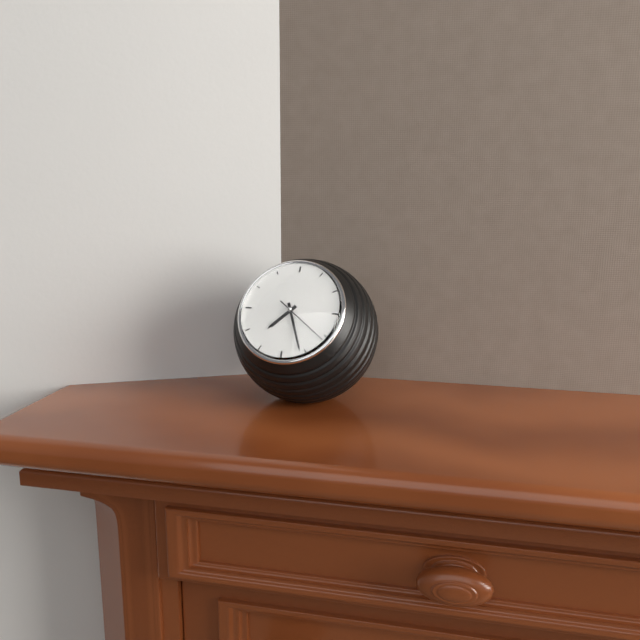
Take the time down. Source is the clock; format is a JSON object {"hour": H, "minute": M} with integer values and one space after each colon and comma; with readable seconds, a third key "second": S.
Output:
{"hour": 7, "minute": 26}
